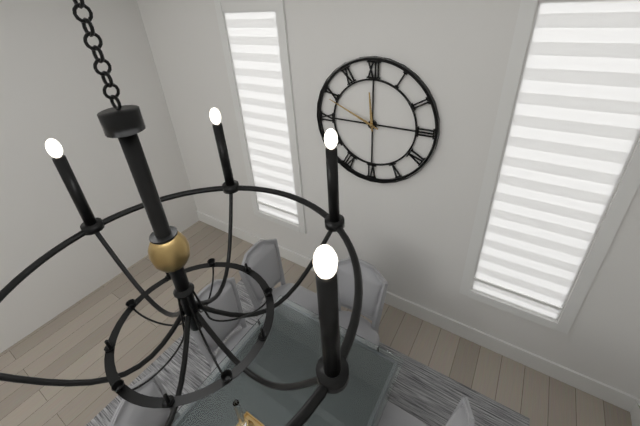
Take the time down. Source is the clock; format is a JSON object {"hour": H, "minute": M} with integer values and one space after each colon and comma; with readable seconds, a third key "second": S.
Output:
{"hour": 11, "minute": 49}
